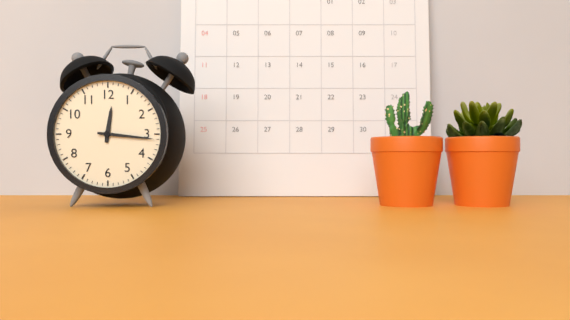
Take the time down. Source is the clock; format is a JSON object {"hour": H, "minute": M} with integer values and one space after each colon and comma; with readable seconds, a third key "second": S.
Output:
{"hour": 12, "minute": 16}
